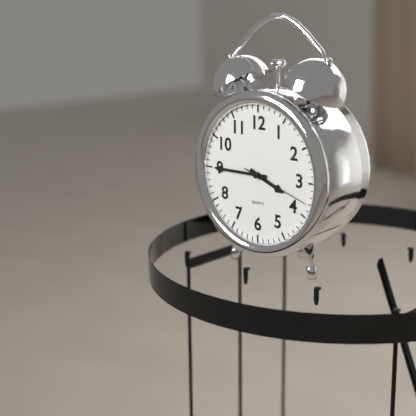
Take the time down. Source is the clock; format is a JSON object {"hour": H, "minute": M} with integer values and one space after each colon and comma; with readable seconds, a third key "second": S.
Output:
{"hour": 3, "minute": 45, "second": 18}
